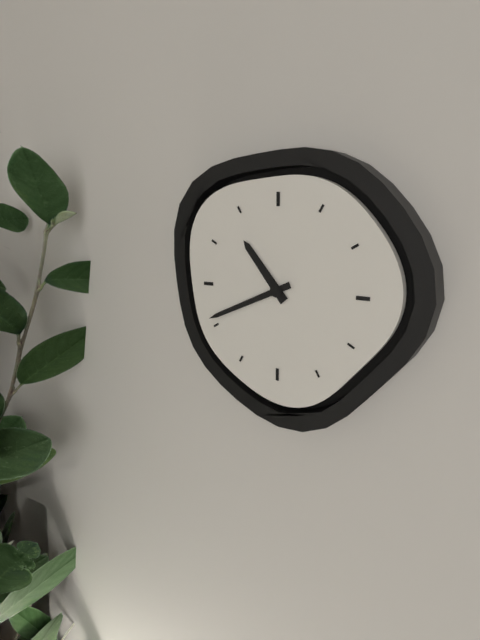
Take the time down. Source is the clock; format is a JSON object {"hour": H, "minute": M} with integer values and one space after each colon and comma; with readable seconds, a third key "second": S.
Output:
{"hour": 10, "minute": 41}
